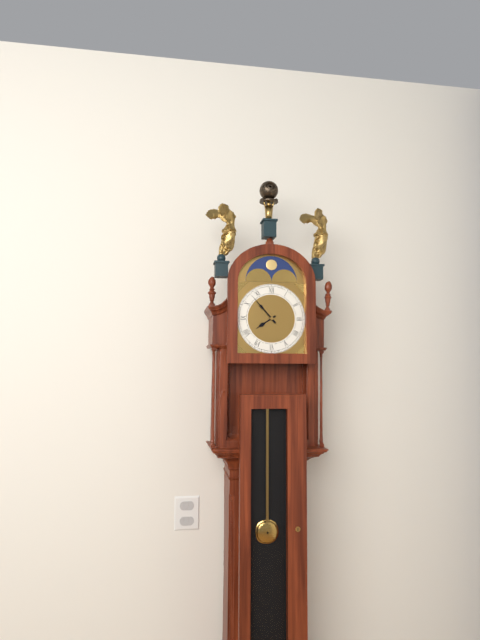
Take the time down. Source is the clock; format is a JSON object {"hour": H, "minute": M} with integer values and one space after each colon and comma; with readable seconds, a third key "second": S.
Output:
{"hour": 7, "minute": 53}
